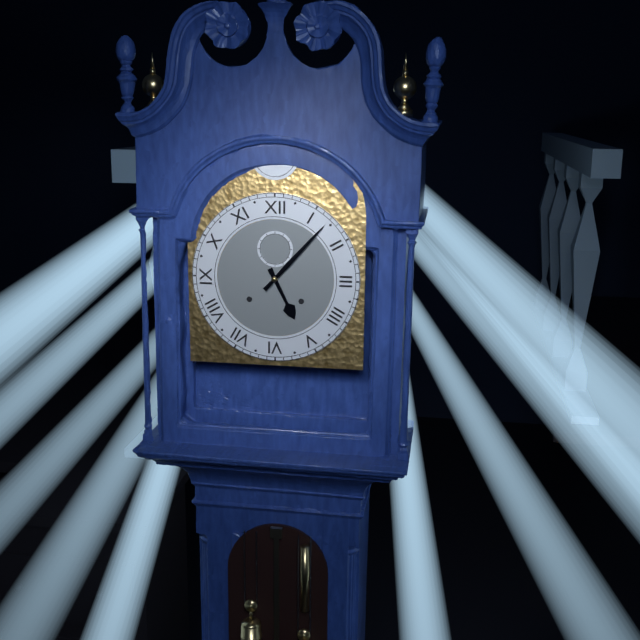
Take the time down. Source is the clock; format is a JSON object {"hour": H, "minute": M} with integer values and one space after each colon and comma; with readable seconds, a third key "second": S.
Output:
{"hour": 5, "minute": 7}
